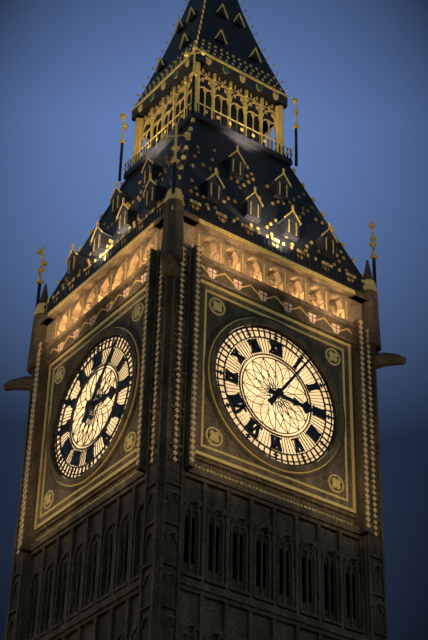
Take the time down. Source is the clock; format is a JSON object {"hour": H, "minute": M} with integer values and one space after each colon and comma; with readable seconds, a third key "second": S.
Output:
{"hour": 3, "minute": 6}
